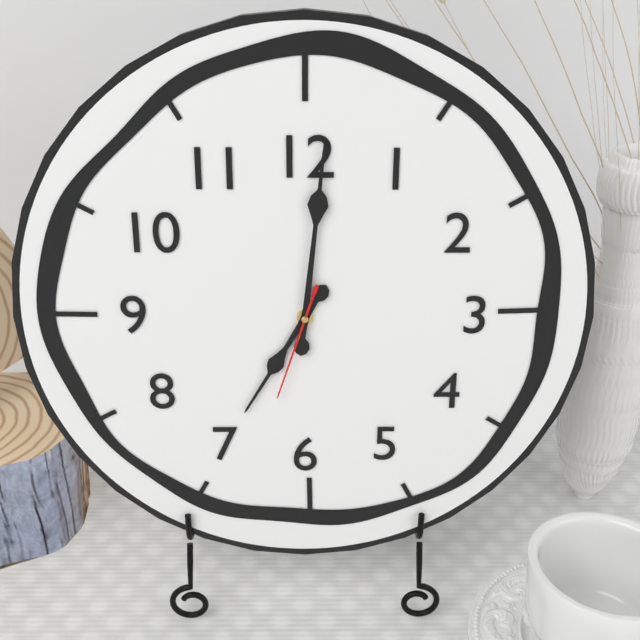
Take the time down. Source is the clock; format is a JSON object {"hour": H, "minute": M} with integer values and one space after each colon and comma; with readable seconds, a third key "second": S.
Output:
{"hour": 7, "minute": 1, "second": 33}
